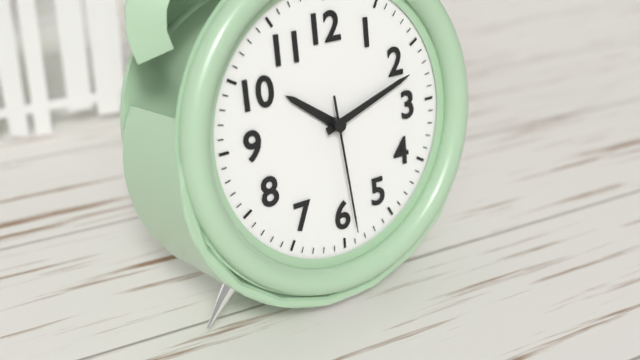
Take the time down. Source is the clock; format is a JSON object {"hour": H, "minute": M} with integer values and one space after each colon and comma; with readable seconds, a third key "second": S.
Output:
{"hour": 10, "minute": 12, "second": 29}
